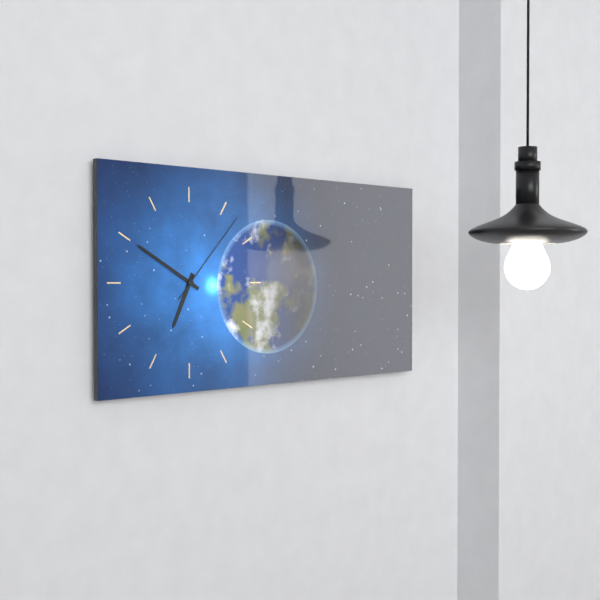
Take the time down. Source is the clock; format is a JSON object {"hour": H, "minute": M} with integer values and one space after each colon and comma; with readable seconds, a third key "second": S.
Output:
{"hour": 6, "minute": 50, "second": 7}
